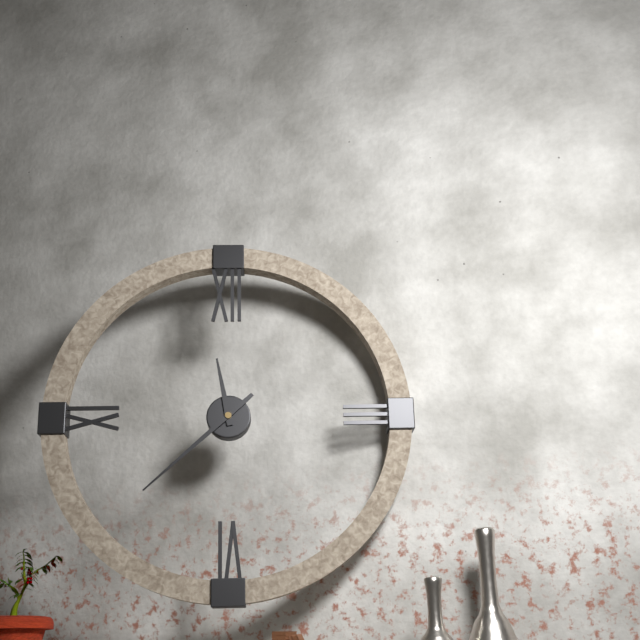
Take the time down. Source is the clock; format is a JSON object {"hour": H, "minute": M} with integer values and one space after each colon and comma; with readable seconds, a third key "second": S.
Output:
{"hour": 11, "minute": 38}
